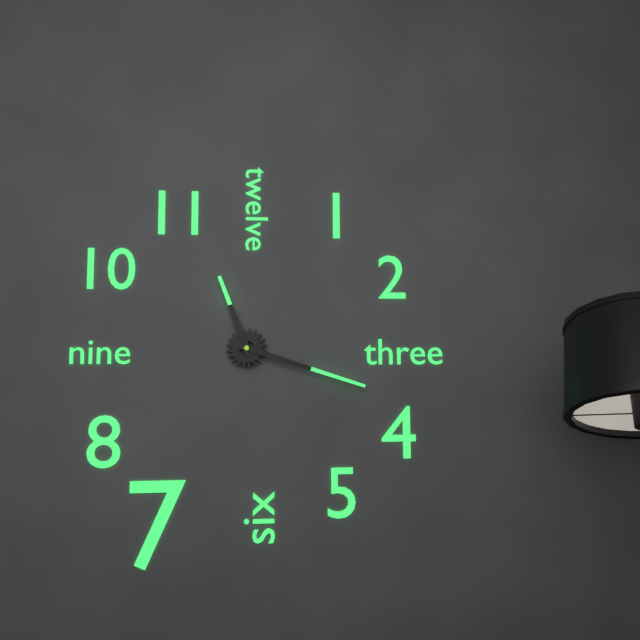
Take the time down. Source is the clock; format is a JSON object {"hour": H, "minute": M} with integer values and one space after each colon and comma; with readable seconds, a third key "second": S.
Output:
{"hour": 11, "minute": 18}
